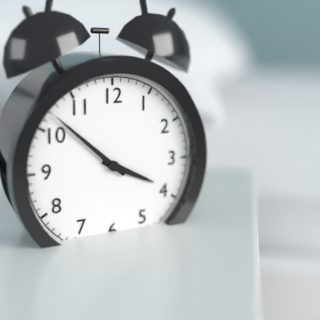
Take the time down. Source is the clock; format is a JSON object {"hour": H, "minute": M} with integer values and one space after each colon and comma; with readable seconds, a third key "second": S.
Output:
{"hour": 3, "minute": 52}
